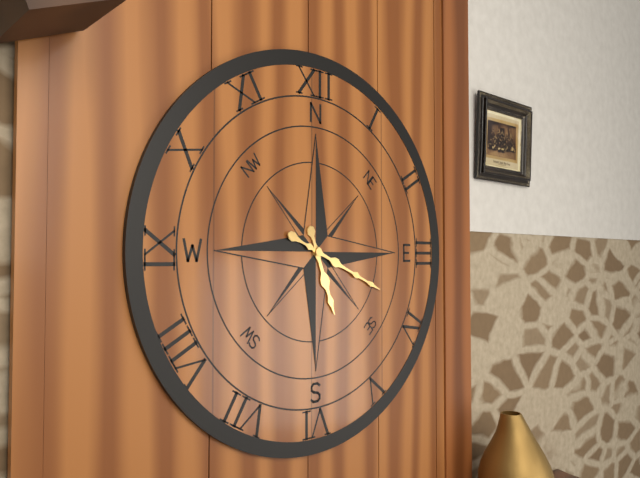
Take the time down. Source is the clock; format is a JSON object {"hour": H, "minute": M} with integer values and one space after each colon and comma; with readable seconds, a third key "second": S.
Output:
{"hour": 5, "minute": 19}
